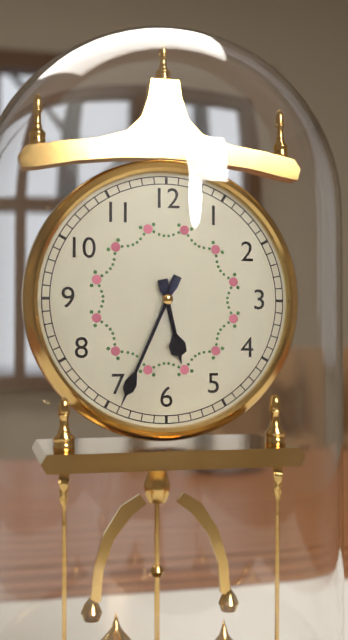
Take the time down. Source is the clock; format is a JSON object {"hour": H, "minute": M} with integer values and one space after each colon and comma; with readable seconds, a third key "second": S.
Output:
{"hour": 5, "minute": 34}
